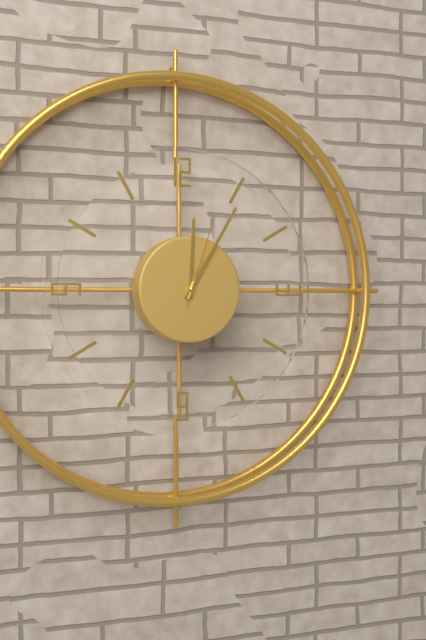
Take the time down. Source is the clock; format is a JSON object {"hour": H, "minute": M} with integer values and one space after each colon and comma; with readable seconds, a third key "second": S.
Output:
{"hour": 12, "minute": 5, "second": 3}
